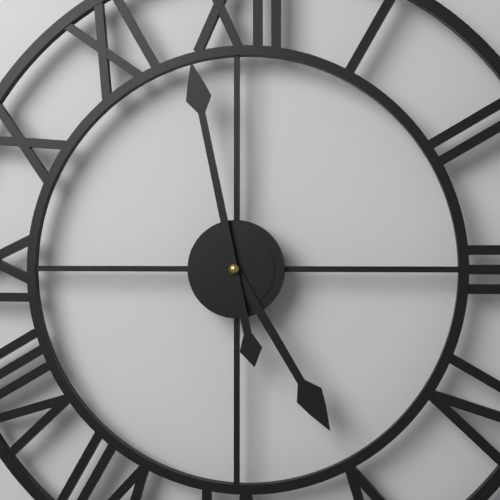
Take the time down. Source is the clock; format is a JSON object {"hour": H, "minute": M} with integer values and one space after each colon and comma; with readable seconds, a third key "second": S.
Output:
{"hour": 4, "minute": 58}
